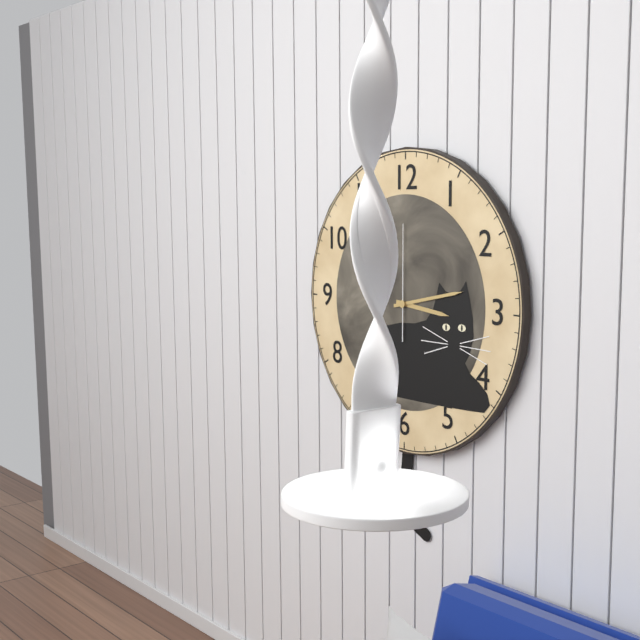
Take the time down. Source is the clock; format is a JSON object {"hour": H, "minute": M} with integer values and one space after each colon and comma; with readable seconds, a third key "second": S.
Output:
{"hour": 3, "minute": 13, "second": 0}
